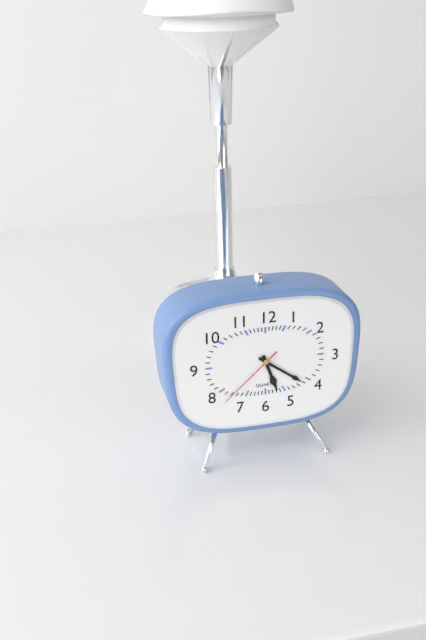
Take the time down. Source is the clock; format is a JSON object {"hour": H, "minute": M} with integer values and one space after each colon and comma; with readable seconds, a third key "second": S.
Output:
{"hour": 5, "minute": 21, "second": 38}
